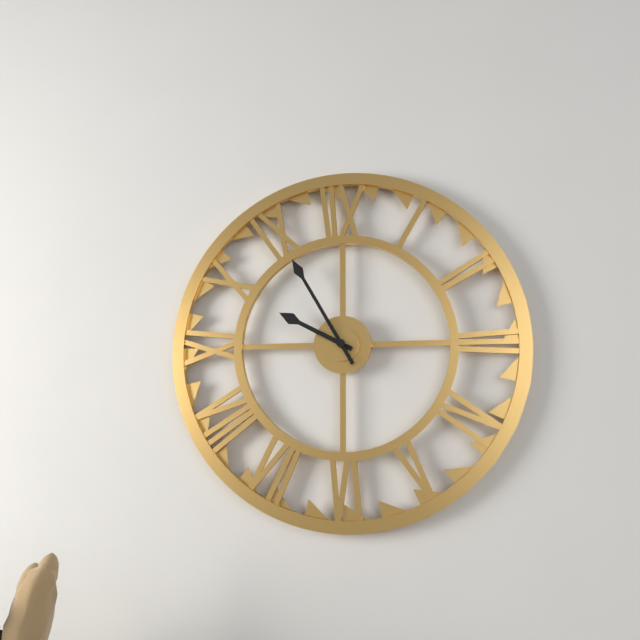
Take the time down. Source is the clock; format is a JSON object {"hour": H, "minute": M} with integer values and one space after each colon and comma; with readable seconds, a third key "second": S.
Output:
{"hour": 9, "minute": 55}
